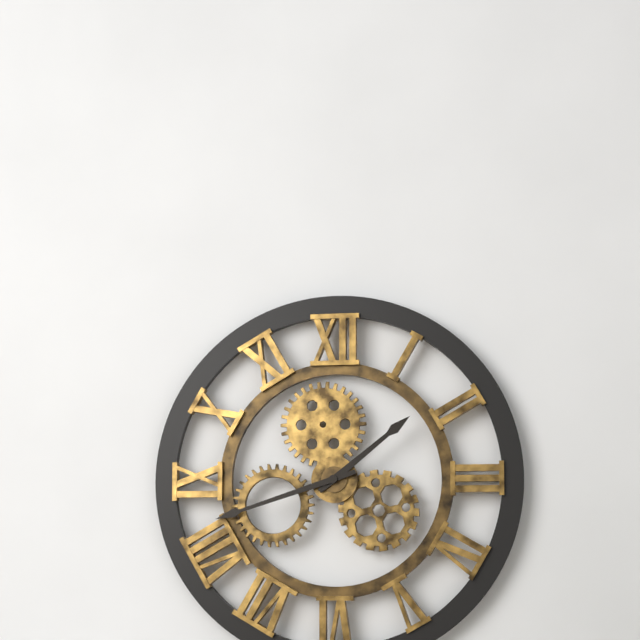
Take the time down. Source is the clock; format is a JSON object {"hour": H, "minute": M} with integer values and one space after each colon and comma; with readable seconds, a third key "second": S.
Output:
{"hour": 1, "minute": 42}
